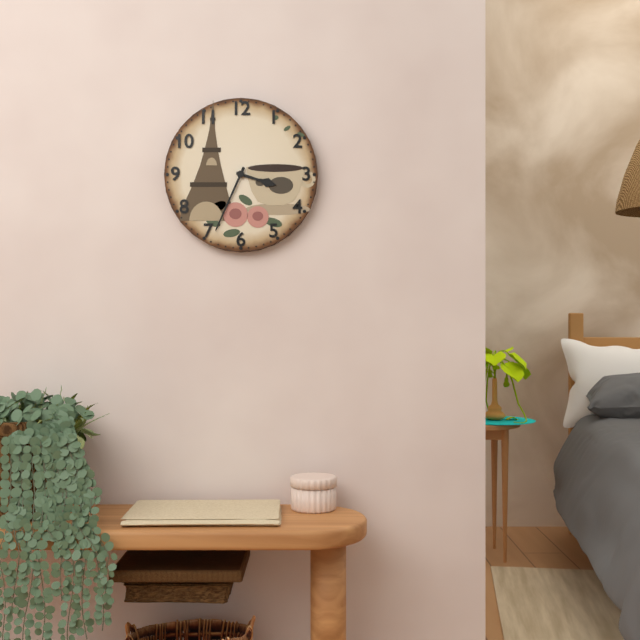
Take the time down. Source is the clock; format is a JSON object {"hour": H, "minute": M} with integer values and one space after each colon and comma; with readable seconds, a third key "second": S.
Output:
{"hour": 3, "minute": 34}
